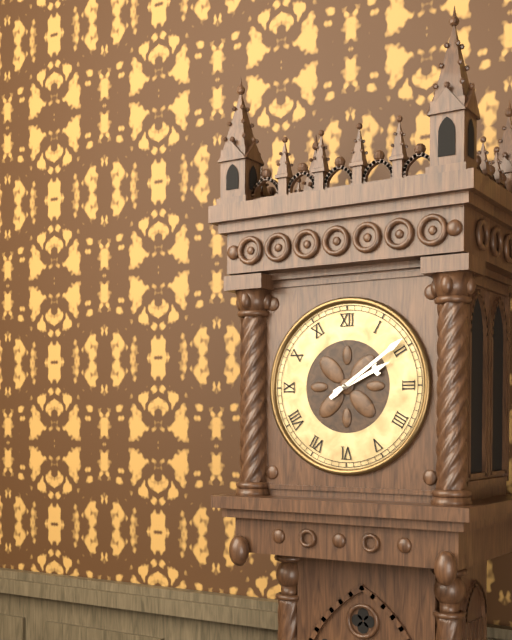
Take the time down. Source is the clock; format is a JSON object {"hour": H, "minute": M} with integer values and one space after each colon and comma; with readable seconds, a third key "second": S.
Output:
{"hour": 2, "minute": 9}
